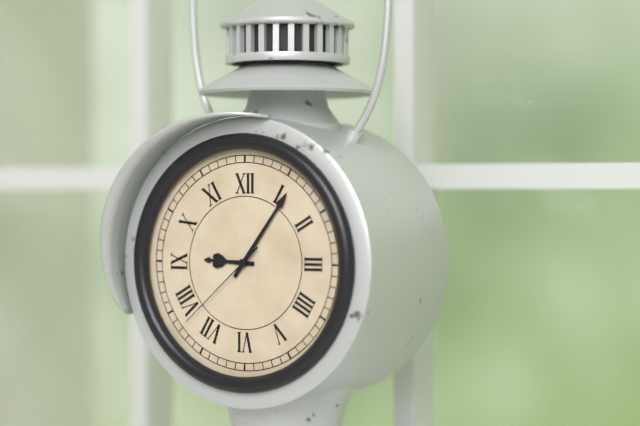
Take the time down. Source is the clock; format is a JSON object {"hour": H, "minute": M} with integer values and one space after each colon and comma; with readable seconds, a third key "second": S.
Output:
{"hour": 9, "minute": 6, "second": 38}
